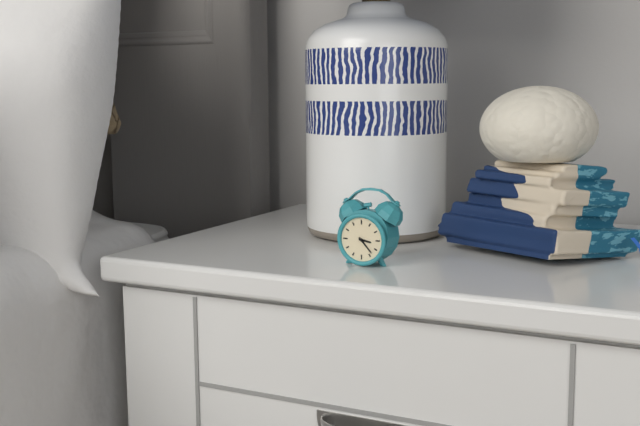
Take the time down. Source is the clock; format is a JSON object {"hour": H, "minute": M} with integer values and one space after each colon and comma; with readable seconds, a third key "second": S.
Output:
{"hour": 3, "minute": 23}
